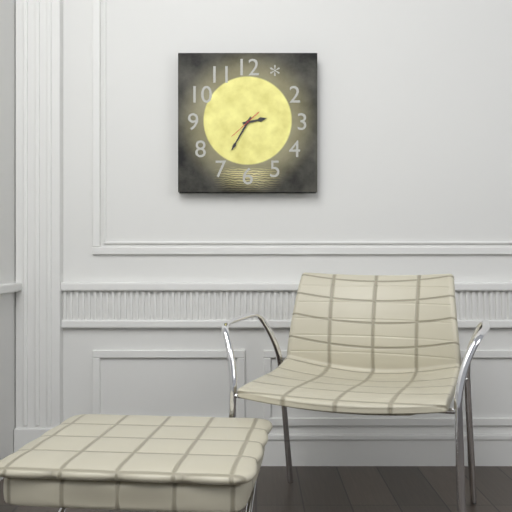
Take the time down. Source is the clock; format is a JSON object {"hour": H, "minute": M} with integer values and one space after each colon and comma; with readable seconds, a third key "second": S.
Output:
{"hour": 2, "minute": 35}
